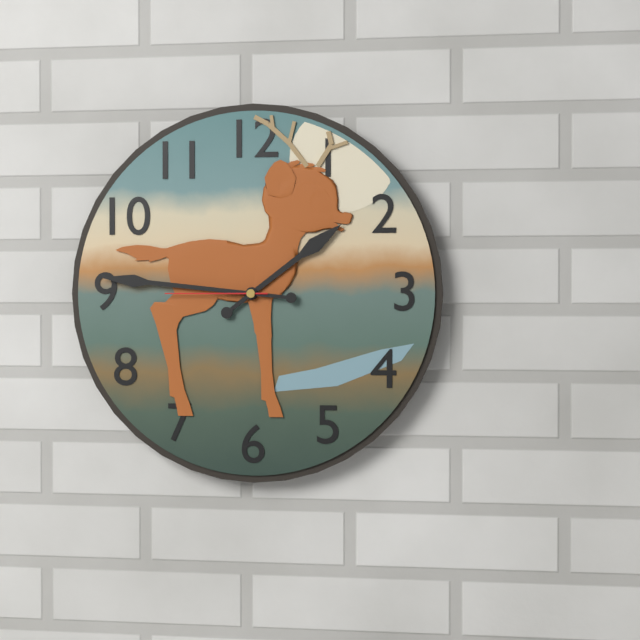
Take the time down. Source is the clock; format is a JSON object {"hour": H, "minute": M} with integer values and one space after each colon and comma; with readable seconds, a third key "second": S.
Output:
{"hour": 1, "minute": 46, "second": 45}
